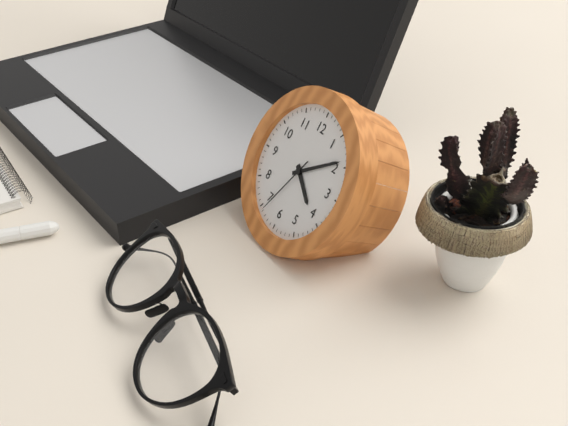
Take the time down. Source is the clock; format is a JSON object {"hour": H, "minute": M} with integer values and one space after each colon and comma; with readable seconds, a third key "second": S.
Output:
{"hour": 4, "minute": 9, "second": 34}
